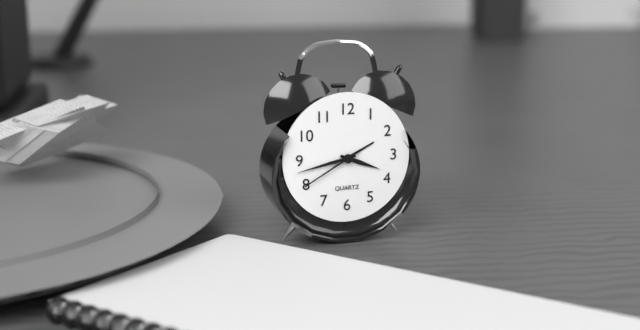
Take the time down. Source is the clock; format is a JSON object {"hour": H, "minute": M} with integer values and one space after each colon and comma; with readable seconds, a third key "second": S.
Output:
{"hour": 3, "minute": 43, "second": 40}
